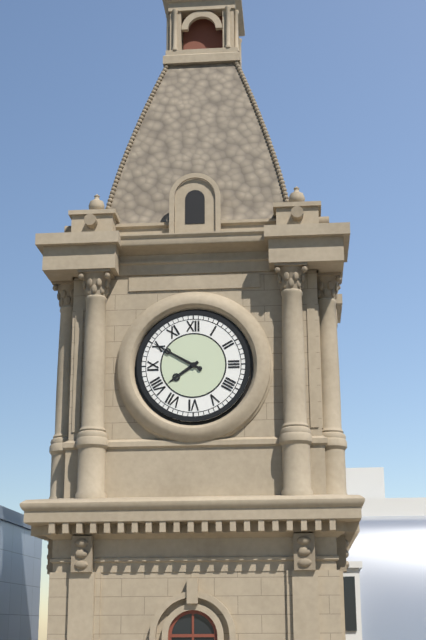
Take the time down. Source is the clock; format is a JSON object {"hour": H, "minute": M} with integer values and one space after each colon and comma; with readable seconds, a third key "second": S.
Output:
{"hour": 7, "minute": 50}
